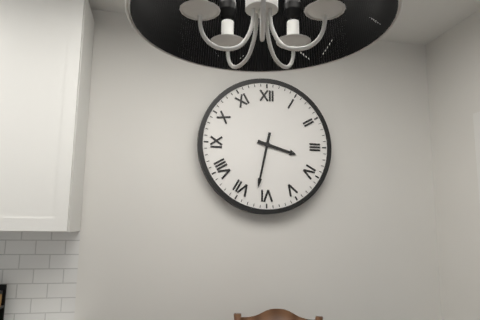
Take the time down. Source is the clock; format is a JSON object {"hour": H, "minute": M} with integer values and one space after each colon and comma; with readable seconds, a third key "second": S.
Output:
{"hour": 3, "minute": 32}
